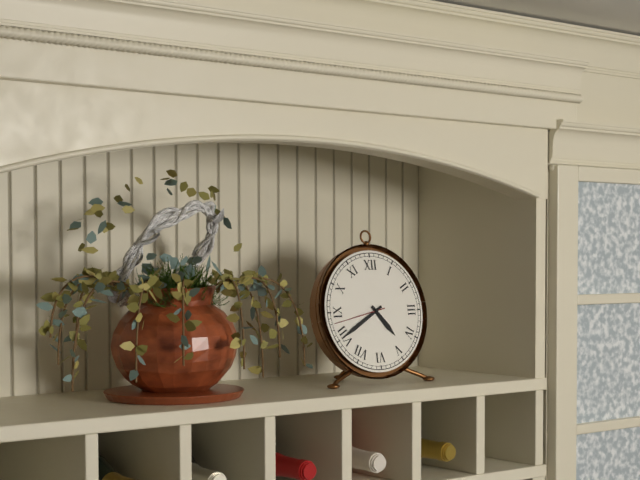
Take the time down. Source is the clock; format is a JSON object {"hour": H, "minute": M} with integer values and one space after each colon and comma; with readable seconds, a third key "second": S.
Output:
{"hour": 4, "minute": 40, "second": 43}
